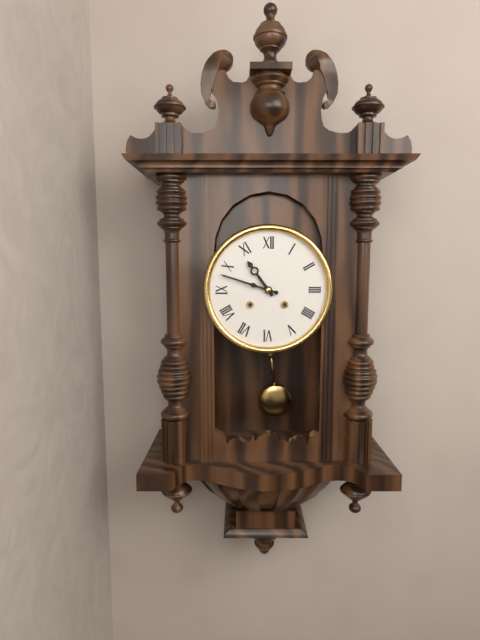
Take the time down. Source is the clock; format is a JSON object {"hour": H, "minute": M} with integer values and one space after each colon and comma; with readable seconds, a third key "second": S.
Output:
{"hour": 10, "minute": 48}
